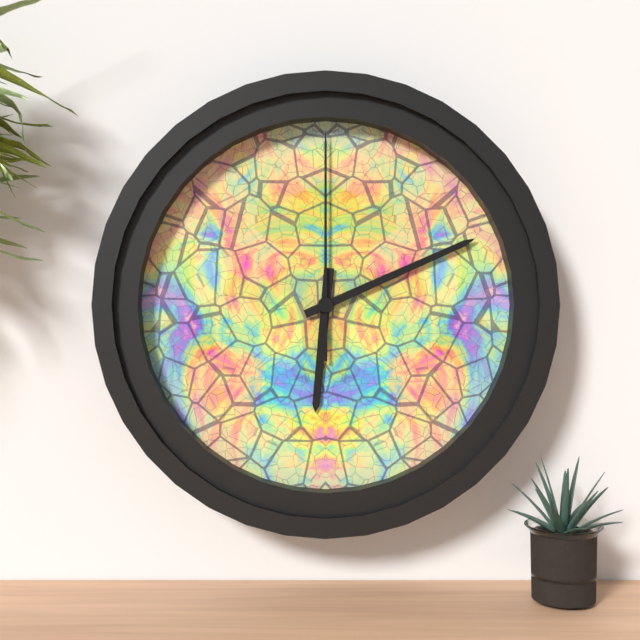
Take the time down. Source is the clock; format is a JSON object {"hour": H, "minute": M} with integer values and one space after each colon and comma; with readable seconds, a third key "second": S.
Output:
{"hour": 6, "minute": 11, "second": 0}
